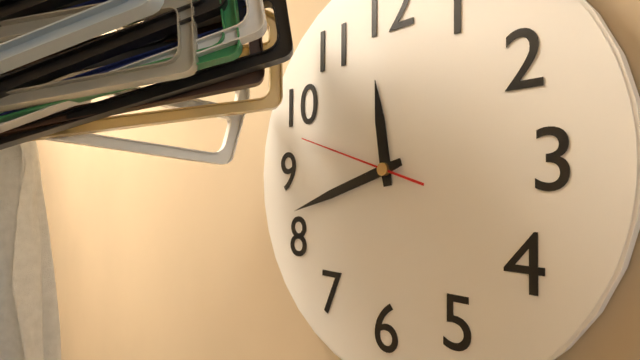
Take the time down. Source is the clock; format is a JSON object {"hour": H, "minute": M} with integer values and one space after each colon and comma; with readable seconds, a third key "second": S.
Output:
{"hour": 11, "minute": 42, "second": 48}
